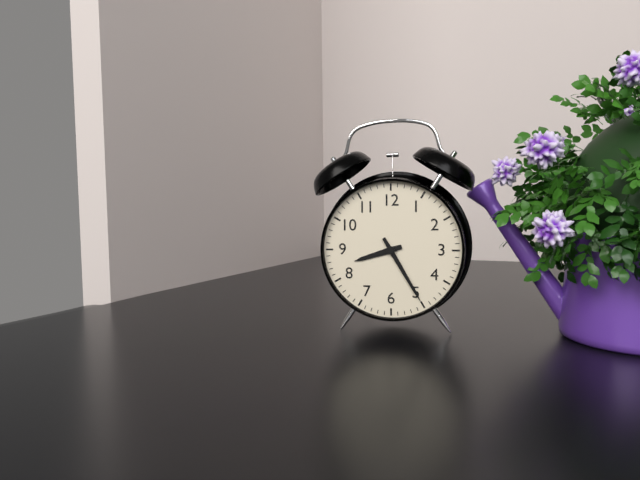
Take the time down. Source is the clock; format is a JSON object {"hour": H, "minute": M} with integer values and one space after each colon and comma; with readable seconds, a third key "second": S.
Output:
{"hour": 8, "minute": 25}
